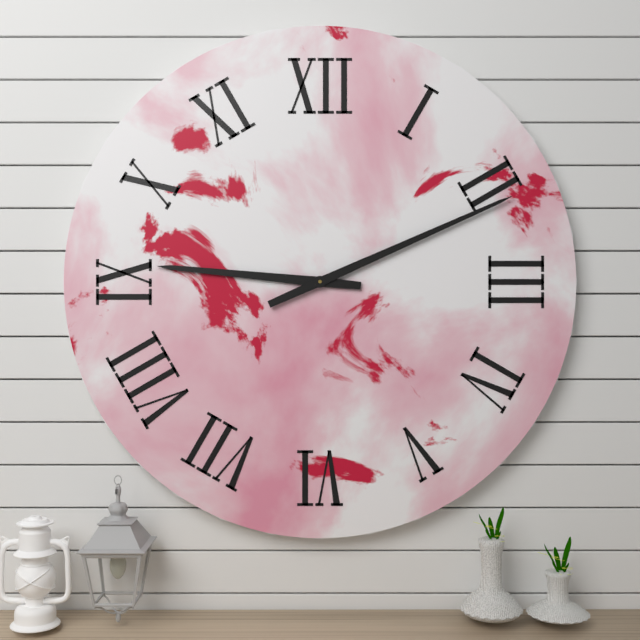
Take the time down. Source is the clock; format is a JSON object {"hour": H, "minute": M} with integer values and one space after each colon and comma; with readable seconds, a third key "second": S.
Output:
{"hour": 9, "minute": 11}
